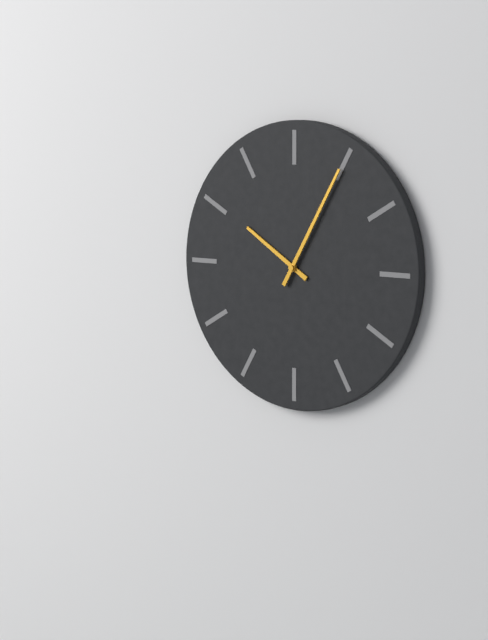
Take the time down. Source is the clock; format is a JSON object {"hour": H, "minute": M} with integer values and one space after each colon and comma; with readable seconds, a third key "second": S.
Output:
{"hour": 10, "minute": 5}
